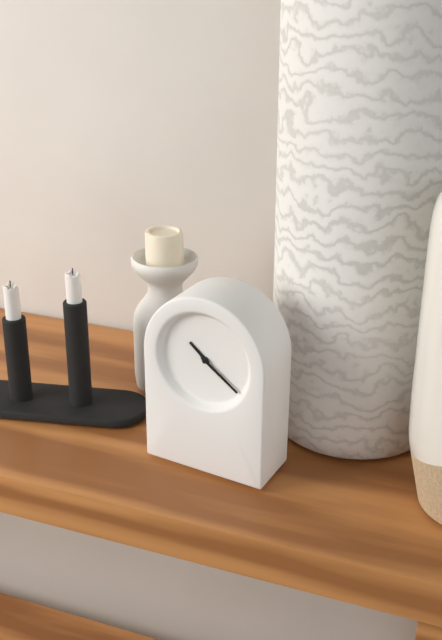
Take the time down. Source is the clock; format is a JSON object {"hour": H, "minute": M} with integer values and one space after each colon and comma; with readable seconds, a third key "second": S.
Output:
{"hour": 10, "minute": 21}
